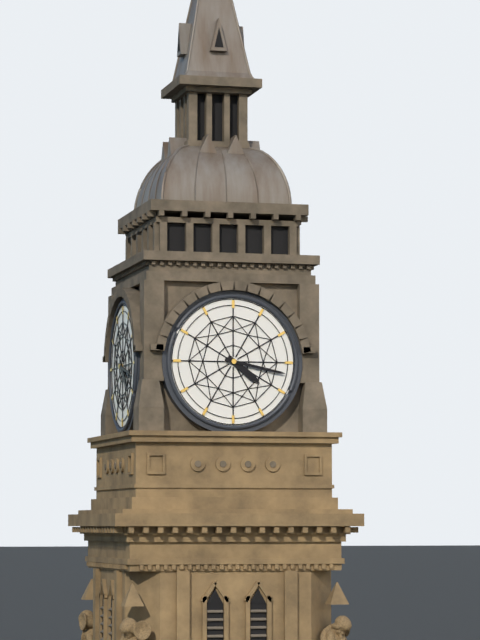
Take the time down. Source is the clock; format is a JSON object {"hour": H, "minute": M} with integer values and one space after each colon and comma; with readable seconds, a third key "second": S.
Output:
{"hour": 4, "minute": 17}
